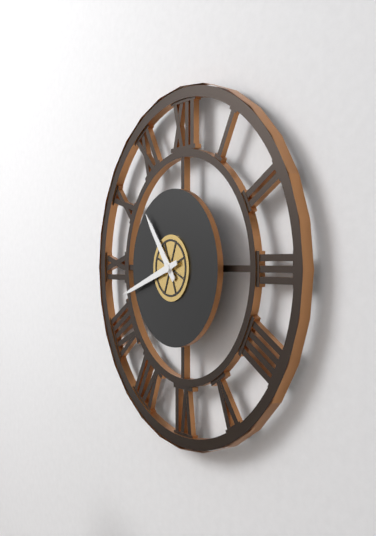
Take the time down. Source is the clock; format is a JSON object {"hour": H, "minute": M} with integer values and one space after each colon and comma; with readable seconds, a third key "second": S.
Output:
{"hour": 10, "minute": 42}
